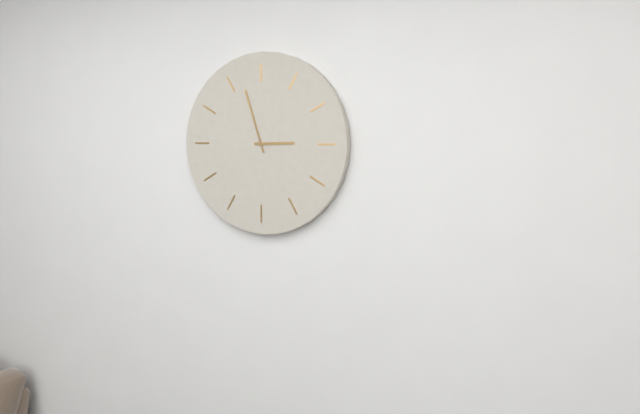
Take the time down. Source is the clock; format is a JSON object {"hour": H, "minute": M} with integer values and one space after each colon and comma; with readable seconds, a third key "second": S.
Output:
{"hour": 2, "minute": 57}
